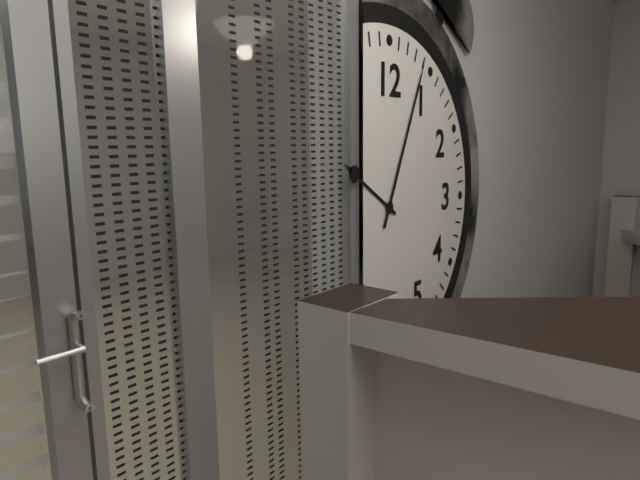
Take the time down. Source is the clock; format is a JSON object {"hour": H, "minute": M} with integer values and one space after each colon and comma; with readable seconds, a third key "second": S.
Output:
{"hour": 10, "minute": 4}
